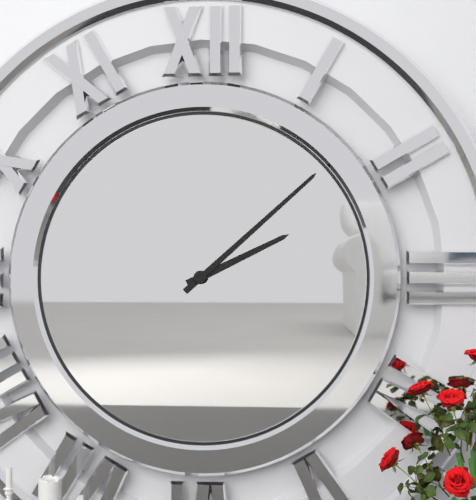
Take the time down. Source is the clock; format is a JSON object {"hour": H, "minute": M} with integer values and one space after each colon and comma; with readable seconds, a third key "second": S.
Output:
{"hour": 2, "minute": 8}
